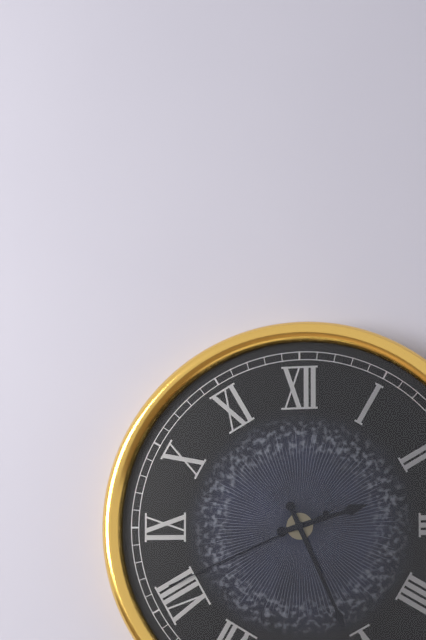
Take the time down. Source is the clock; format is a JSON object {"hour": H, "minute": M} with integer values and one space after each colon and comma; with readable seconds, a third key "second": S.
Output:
{"hour": 2, "minute": 26, "second": 41}
